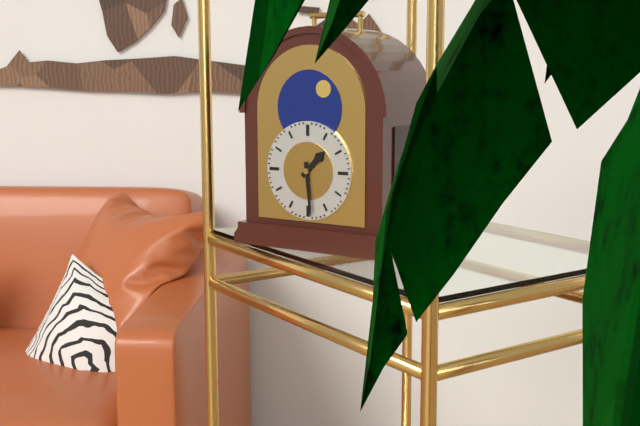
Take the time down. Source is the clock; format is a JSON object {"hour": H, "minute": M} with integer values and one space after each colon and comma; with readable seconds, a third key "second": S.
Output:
{"hour": 1, "minute": 29}
